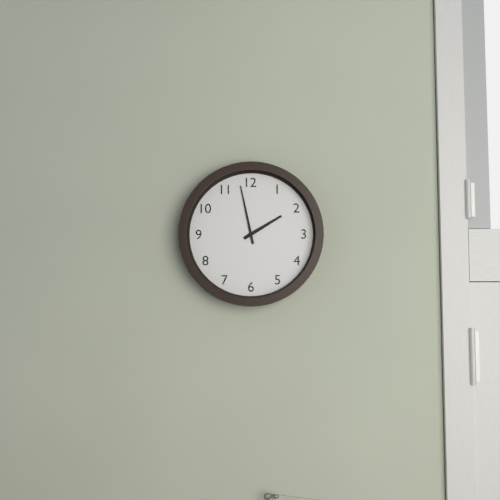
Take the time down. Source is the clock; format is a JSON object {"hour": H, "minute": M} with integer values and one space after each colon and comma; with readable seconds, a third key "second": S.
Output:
{"hour": 1, "minute": 58}
